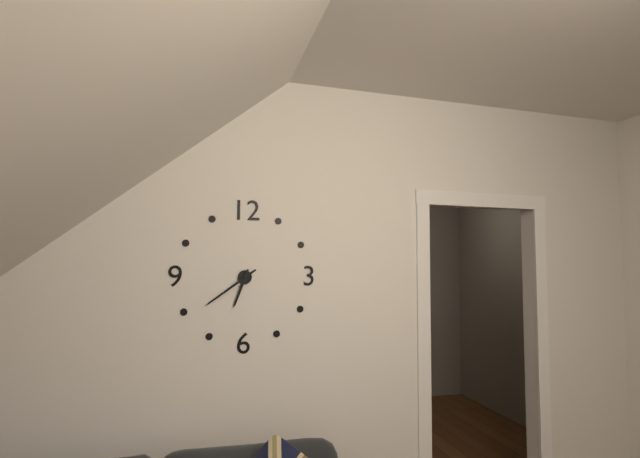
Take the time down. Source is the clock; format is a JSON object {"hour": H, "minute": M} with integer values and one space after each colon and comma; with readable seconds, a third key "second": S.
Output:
{"hour": 6, "minute": 39}
